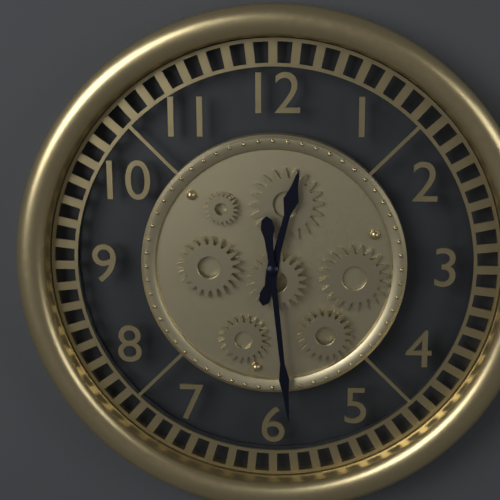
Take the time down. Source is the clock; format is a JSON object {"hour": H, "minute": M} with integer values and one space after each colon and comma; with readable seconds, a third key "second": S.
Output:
{"hour": 12, "minute": 29}
